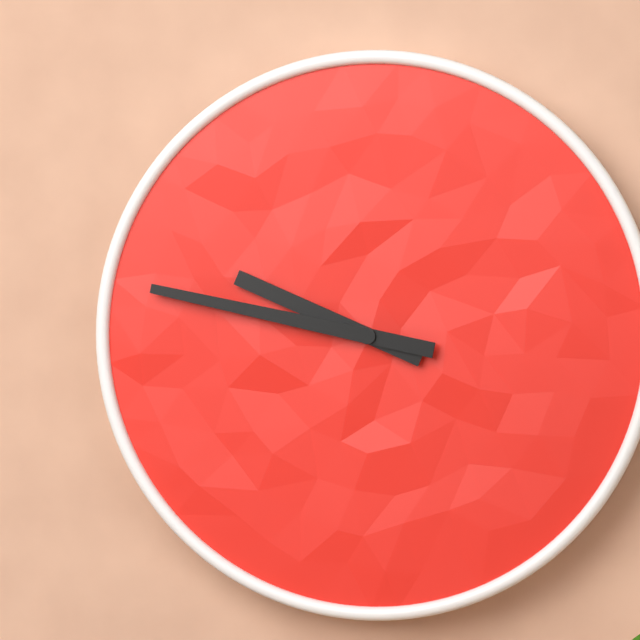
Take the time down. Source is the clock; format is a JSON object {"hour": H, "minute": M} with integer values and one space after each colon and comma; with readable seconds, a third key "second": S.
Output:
{"hour": 9, "minute": 47}
